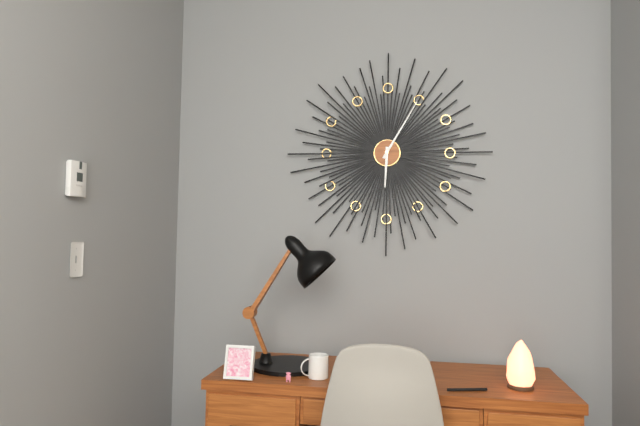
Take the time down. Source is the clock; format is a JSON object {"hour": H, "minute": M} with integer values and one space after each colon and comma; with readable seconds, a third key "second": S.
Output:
{"hour": 6, "minute": 5}
